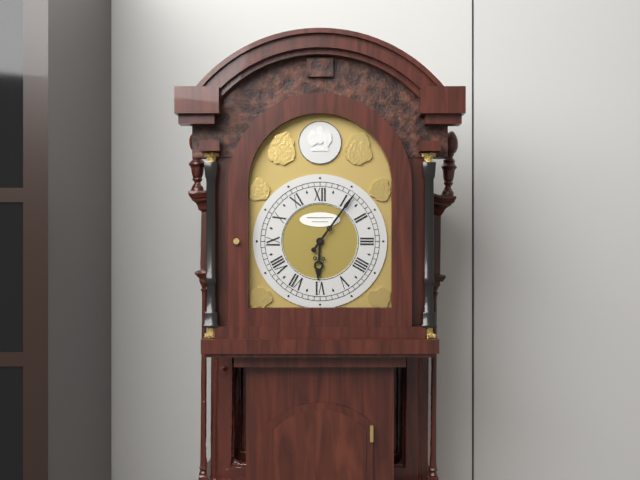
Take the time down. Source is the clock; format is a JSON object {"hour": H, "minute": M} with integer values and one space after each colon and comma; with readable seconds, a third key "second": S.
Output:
{"hour": 6, "minute": 6}
